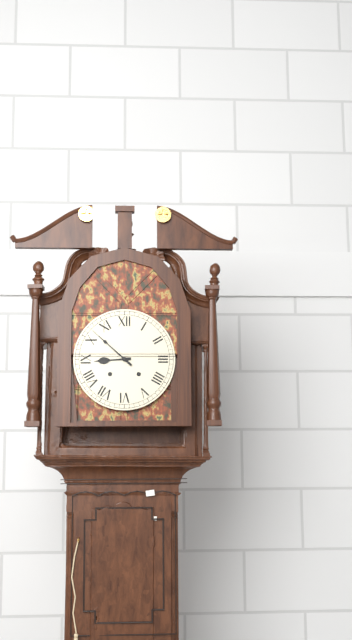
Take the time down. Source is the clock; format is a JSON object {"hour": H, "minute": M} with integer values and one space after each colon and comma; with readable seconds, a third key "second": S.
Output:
{"hour": 8, "minute": 52}
